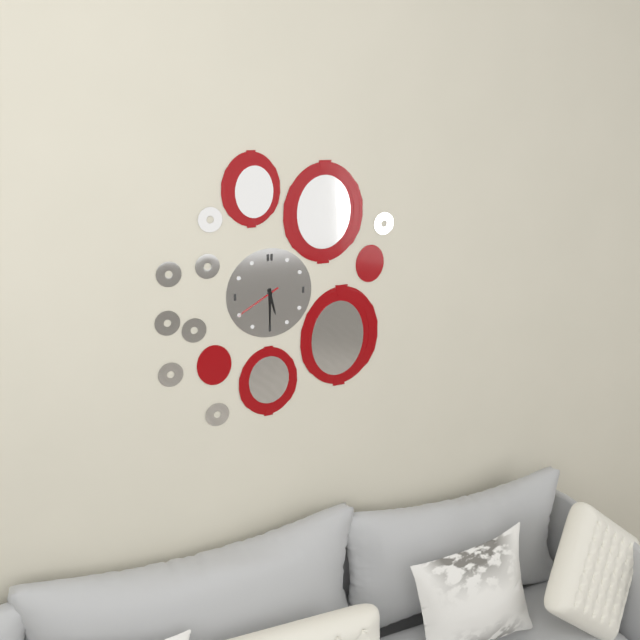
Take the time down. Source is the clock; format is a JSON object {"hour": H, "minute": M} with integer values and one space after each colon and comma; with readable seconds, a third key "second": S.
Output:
{"hour": 5, "minute": 30}
